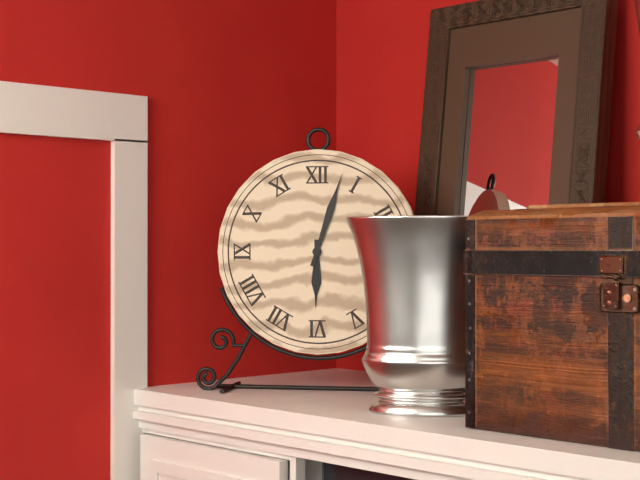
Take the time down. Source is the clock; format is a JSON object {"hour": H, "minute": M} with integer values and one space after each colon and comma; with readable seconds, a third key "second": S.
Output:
{"hour": 6, "minute": 3}
